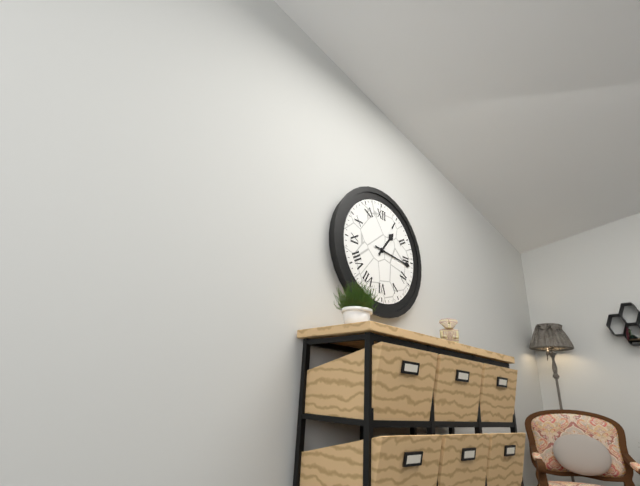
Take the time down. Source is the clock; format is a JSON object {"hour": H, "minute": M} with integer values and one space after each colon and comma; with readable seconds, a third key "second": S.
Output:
{"hour": 1, "minute": 16}
